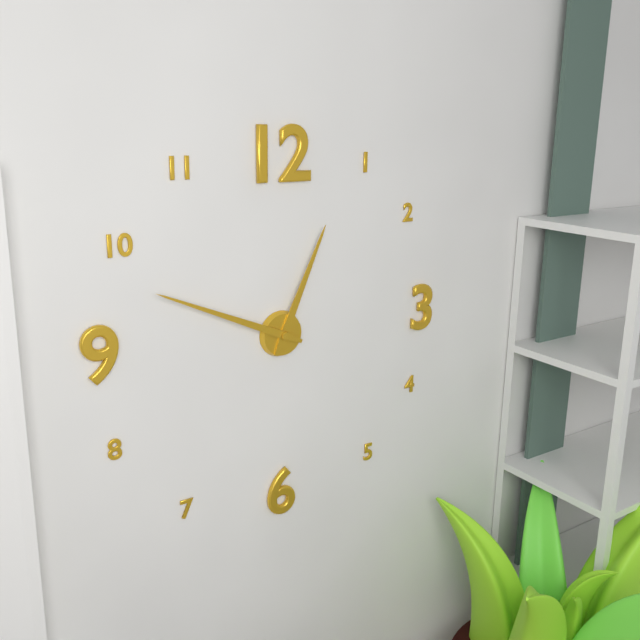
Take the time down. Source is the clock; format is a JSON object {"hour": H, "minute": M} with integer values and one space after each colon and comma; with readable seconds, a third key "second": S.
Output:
{"hour": 12, "minute": 49}
